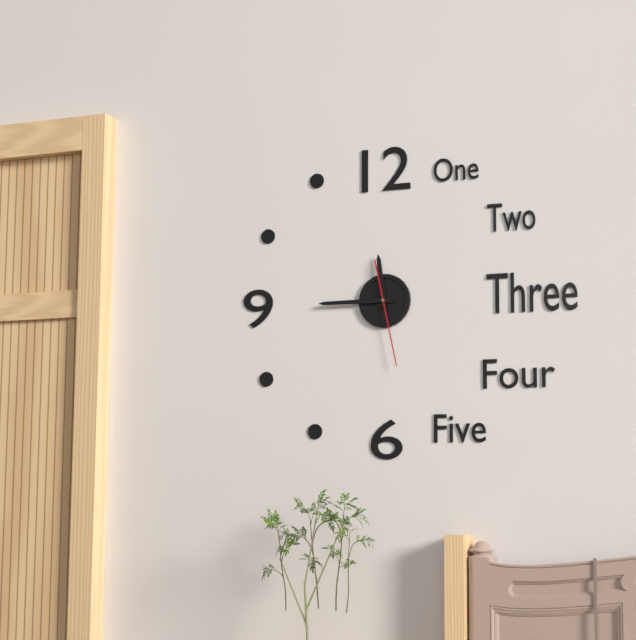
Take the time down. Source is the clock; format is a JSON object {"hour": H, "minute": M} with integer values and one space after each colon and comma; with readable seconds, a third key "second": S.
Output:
{"hour": 11, "minute": 45, "second": 28}
